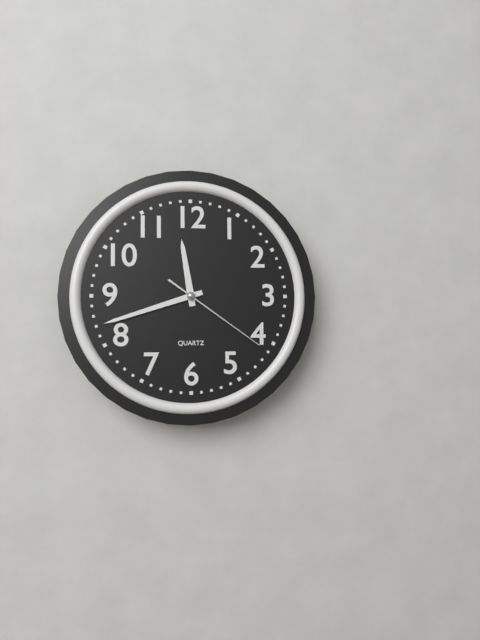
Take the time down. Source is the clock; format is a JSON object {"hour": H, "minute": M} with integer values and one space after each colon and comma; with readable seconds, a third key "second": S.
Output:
{"hour": 11, "minute": 42, "second": 21}
